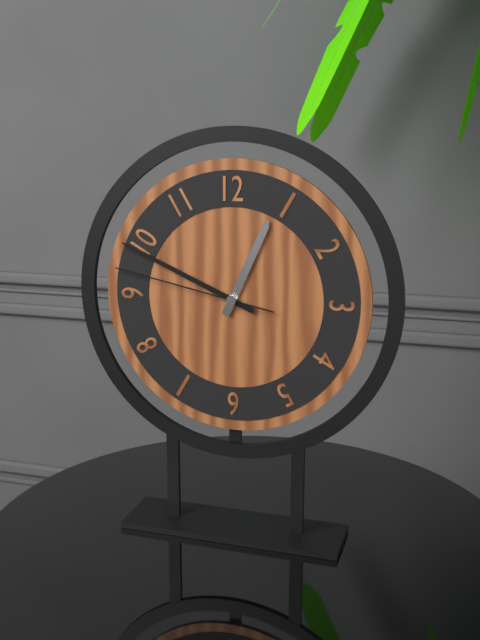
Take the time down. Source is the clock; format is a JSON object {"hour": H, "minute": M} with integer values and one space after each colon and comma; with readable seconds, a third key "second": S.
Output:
{"hour": 12, "minute": 49, "second": 47}
